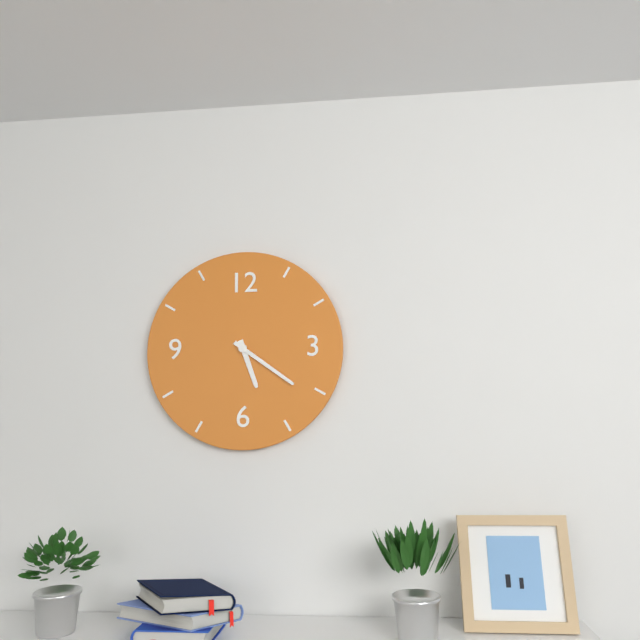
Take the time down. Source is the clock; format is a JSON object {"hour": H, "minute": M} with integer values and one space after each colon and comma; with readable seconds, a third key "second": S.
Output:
{"hour": 5, "minute": 21}
